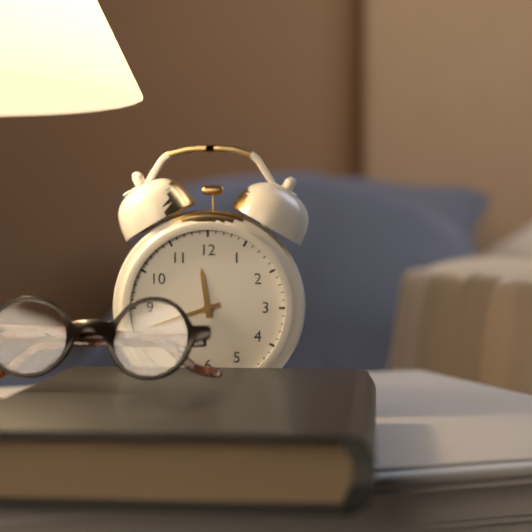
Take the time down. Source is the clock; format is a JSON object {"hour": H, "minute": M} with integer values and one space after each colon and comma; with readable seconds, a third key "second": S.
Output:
{"hour": 11, "minute": 42}
